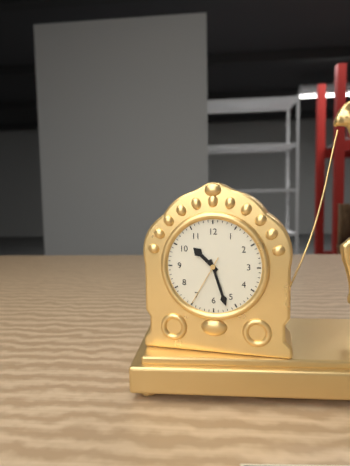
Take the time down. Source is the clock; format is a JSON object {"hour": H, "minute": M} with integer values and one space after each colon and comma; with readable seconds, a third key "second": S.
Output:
{"hour": 10, "minute": 27, "second": 35}
